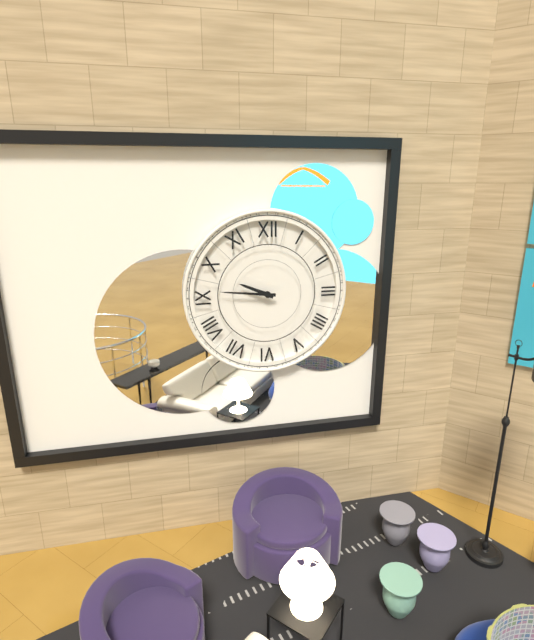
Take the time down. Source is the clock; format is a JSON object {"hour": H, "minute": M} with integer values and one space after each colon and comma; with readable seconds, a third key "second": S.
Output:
{"hour": 9, "minute": 46}
